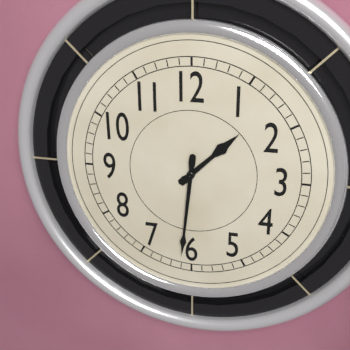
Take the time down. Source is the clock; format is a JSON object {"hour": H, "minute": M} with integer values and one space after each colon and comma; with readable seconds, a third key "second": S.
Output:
{"hour": 1, "minute": 31}
